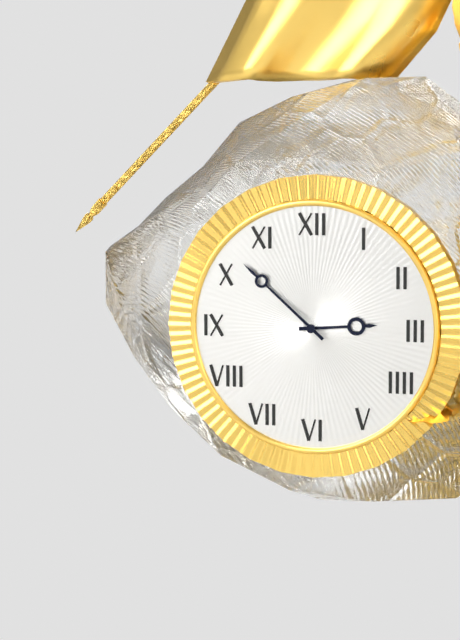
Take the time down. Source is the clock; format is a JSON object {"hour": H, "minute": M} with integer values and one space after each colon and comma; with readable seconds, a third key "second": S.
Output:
{"hour": 2, "minute": 52}
